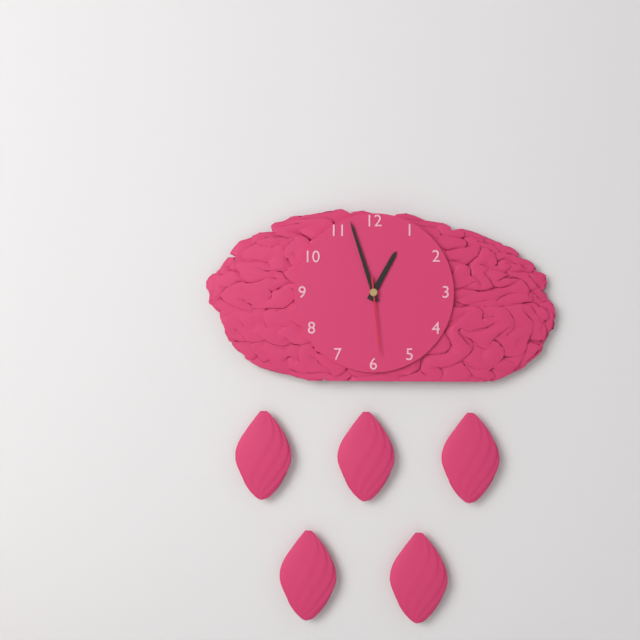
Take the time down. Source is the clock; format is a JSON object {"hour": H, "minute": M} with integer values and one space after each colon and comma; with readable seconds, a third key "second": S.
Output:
{"hour": 12, "minute": 57, "second": 29}
